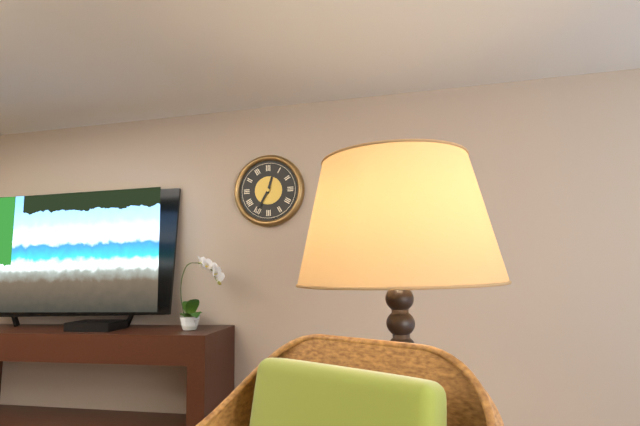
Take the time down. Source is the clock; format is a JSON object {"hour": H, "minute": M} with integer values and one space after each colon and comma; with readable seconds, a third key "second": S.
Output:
{"hour": 12, "minute": 35}
